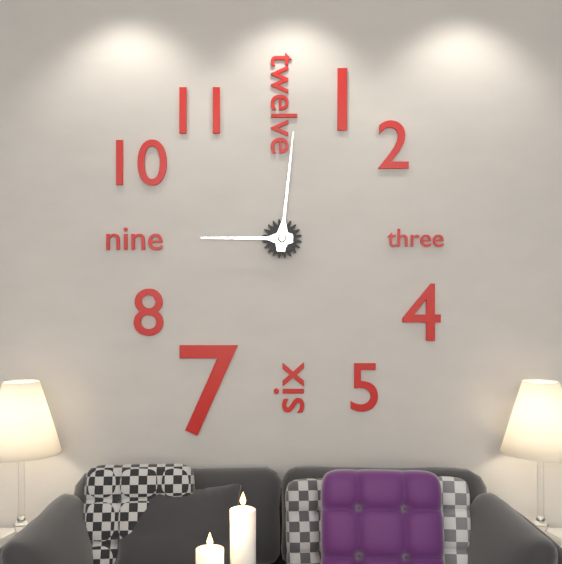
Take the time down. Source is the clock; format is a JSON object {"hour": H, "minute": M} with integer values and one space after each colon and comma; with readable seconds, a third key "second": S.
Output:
{"hour": 9, "minute": 1}
